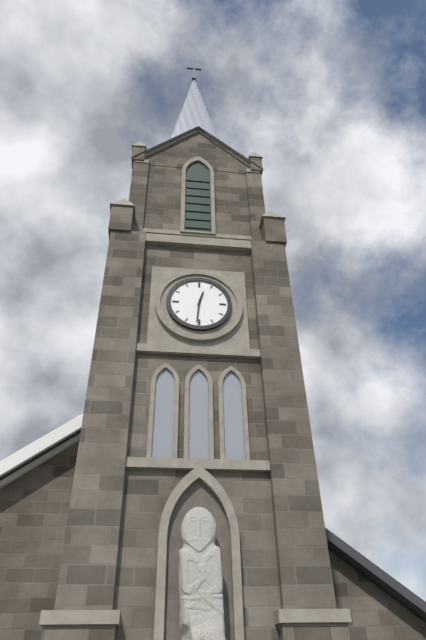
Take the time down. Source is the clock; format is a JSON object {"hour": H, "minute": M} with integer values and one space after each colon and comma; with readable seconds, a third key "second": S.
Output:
{"hour": 12, "minute": 31}
